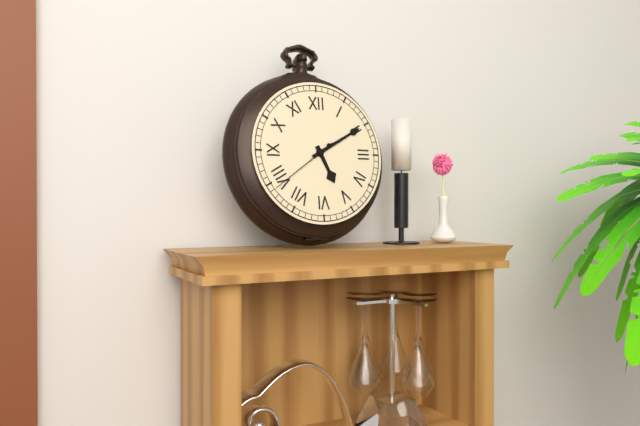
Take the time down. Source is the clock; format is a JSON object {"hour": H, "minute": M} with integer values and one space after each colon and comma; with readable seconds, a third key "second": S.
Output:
{"hour": 5, "minute": 10, "second": 39}
